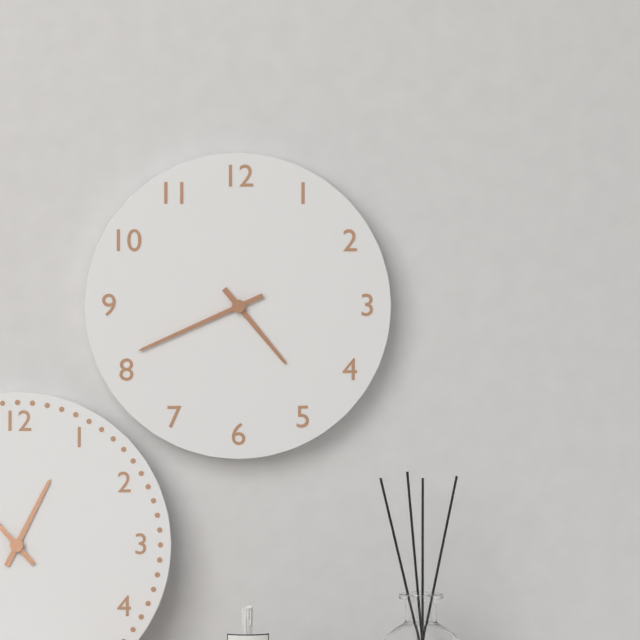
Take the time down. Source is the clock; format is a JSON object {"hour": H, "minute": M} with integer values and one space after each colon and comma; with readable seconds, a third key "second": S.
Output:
{"hour": 4, "minute": 41}
